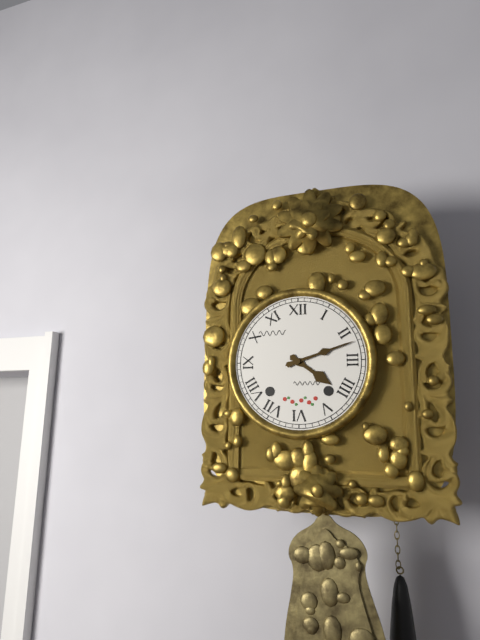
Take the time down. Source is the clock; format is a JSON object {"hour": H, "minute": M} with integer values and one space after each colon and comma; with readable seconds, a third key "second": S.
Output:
{"hour": 4, "minute": 12}
